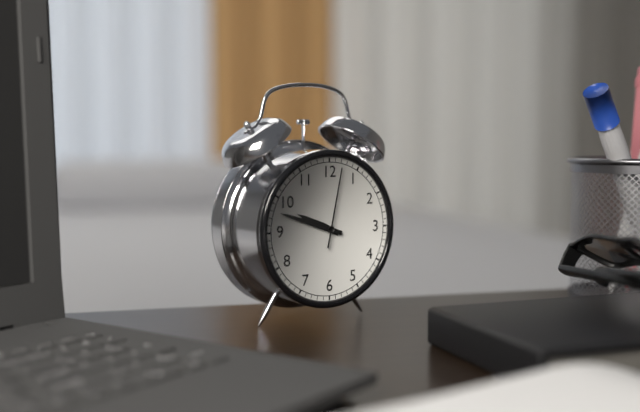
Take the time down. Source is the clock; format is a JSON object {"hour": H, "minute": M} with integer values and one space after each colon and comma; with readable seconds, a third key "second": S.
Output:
{"hour": 9, "minute": 48, "second": 2}
